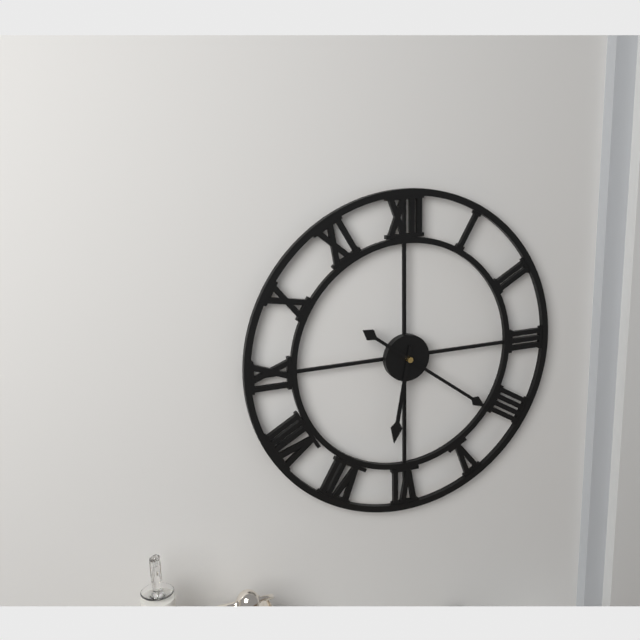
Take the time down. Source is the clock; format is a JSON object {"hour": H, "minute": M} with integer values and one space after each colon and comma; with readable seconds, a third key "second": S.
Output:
{"hour": 6, "minute": 21}
